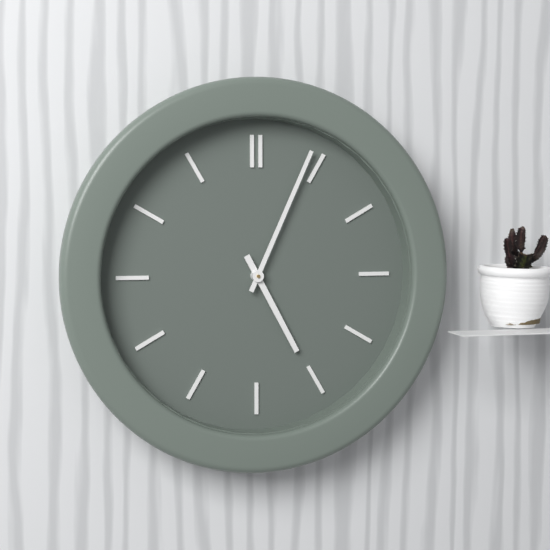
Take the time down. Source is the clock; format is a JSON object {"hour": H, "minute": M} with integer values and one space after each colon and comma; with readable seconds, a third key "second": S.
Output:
{"hour": 5, "minute": 4}
